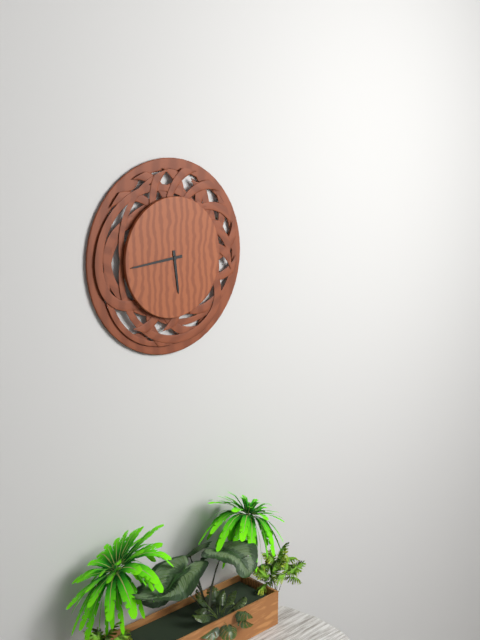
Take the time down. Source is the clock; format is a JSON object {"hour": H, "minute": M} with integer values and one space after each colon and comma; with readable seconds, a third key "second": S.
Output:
{"hour": 5, "minute": 44}
